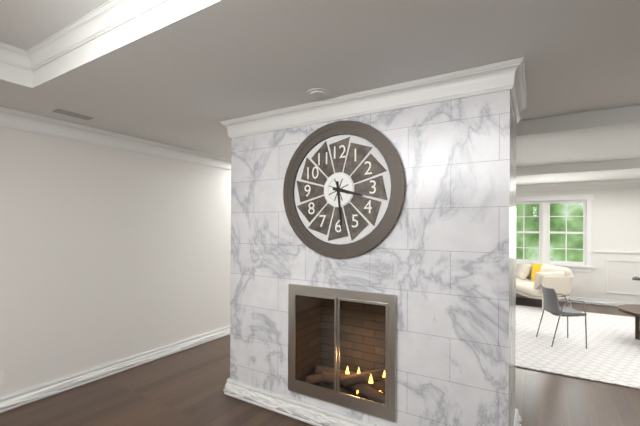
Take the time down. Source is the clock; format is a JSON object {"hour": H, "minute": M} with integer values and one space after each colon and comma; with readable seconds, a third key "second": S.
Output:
{"hour": 3, "minute": 29}
